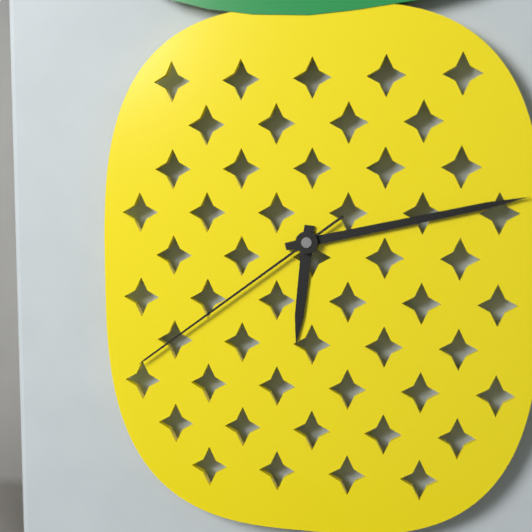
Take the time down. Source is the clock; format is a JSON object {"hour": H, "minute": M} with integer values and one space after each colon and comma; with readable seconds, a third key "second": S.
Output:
{"hour": 6, "minute": 13, "second": 39}
